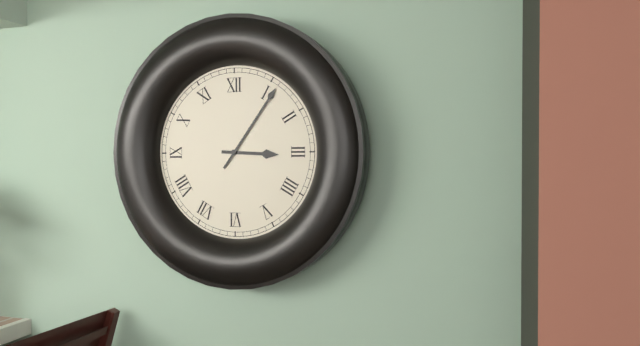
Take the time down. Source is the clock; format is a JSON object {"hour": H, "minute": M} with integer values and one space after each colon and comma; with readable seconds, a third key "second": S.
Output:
{"hour": 3, "minute": 6}
